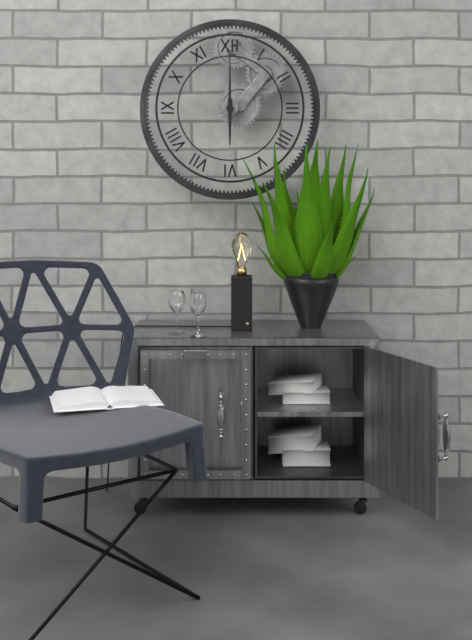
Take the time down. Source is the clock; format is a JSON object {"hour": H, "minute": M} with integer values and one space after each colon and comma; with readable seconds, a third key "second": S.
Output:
{"hour": 6, "minute": 0}
